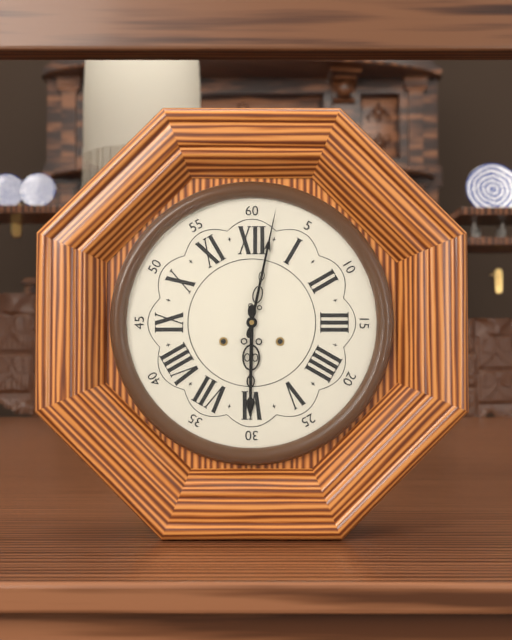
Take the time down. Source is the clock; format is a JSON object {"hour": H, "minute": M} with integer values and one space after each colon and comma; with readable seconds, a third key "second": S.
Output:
{"hour": 6, "minute": 2}
